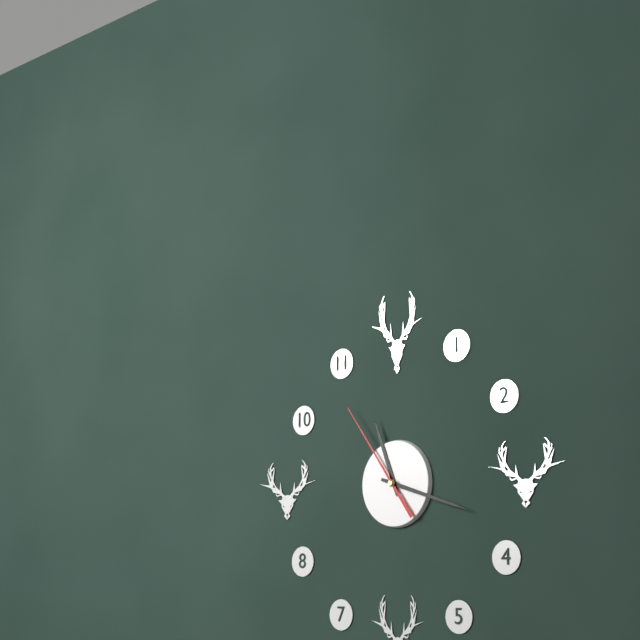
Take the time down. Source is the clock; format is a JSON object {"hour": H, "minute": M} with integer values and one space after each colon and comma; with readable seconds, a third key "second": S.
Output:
{"hour": 11, "minute": 18, "second": 54}
